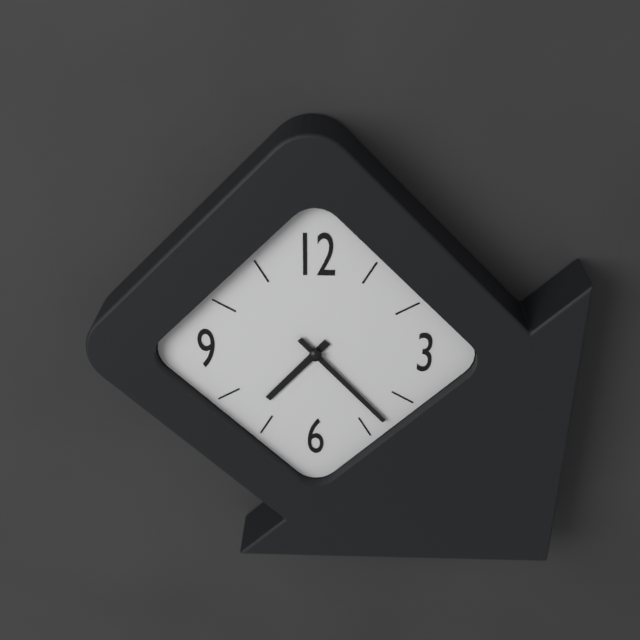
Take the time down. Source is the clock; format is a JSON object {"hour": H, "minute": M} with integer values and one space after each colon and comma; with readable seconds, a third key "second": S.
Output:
{"hour": 7, "minute": 23}
